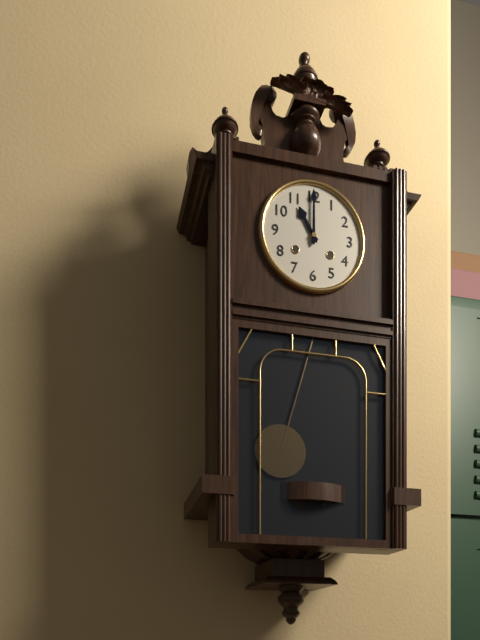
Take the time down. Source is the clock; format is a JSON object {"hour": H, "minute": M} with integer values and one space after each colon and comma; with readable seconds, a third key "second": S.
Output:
{"hour": 11, "minute": 0}
